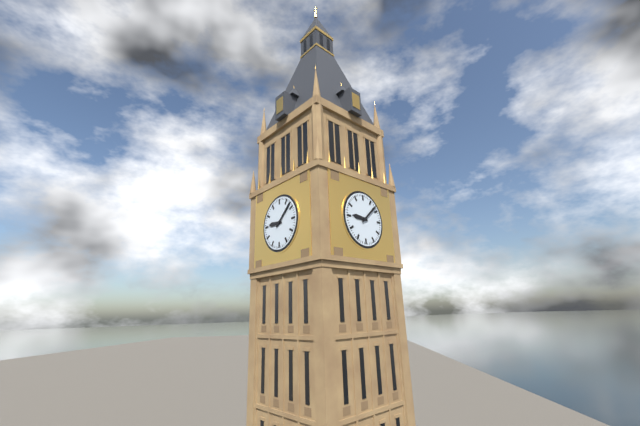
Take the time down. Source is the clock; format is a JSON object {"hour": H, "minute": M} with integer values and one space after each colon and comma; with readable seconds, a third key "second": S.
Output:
{"hour": 9, "minute": 8}
